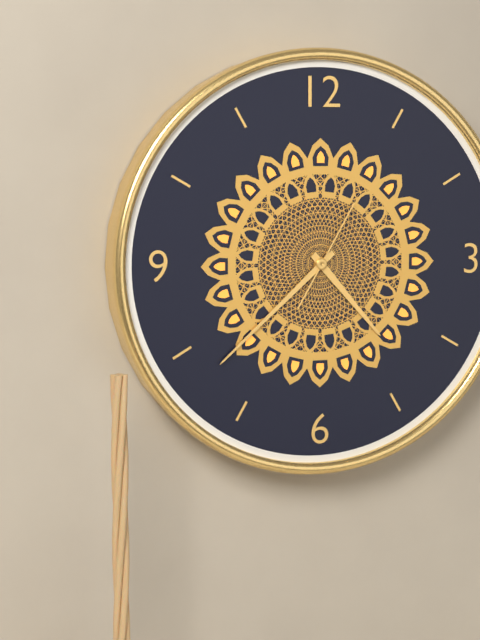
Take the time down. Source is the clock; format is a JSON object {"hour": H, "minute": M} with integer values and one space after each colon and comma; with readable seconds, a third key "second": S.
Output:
{"hour": 4, "minute": 38, "second": 5}
